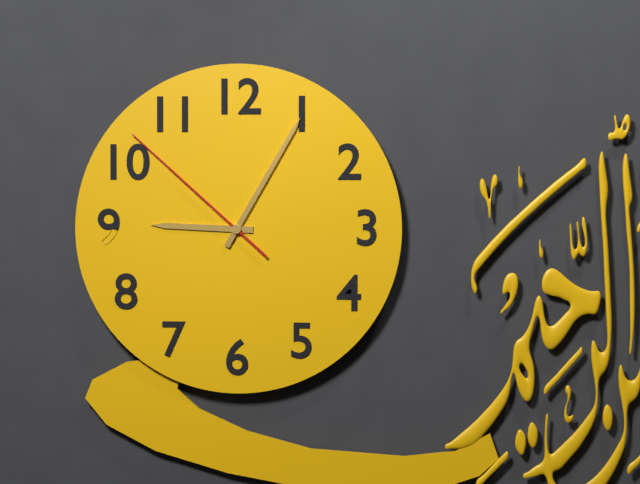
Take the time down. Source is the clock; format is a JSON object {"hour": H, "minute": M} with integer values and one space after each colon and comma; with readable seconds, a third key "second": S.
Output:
{"hour": 9, "minute": 5, "second": 52}
